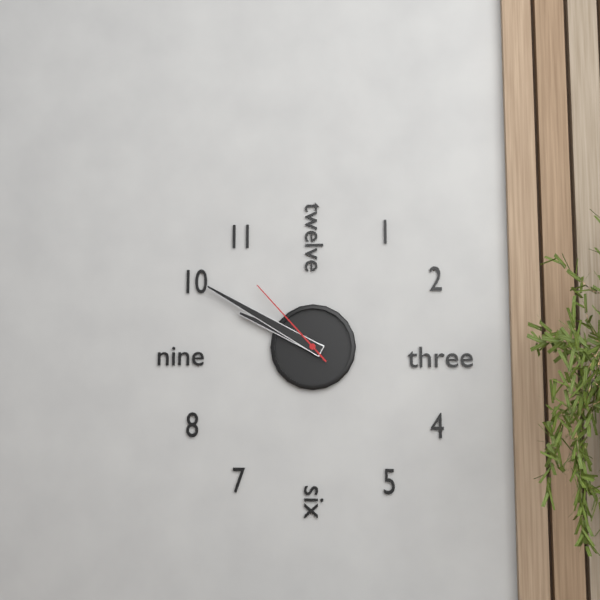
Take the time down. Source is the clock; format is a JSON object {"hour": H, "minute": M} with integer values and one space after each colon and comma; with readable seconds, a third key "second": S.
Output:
{"hour": 9, "minute": 50, "second": 53}
